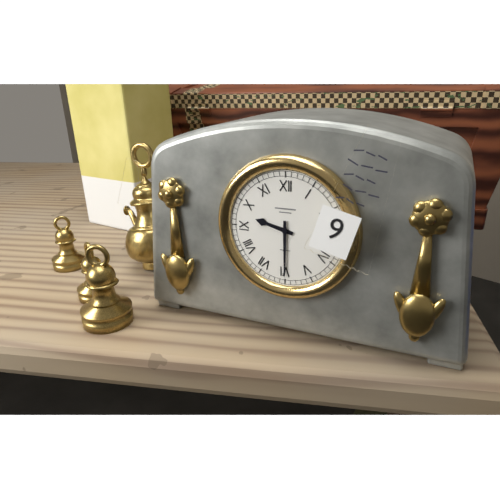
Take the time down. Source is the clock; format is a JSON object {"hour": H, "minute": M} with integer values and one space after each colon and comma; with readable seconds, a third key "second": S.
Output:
{"hour": 9, "minute": 30}
